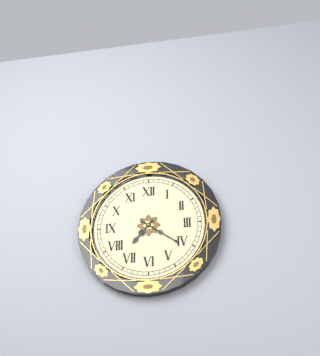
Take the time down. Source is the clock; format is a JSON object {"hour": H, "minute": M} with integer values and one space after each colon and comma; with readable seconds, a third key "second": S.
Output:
{"hour": 7, "minute": 21}
